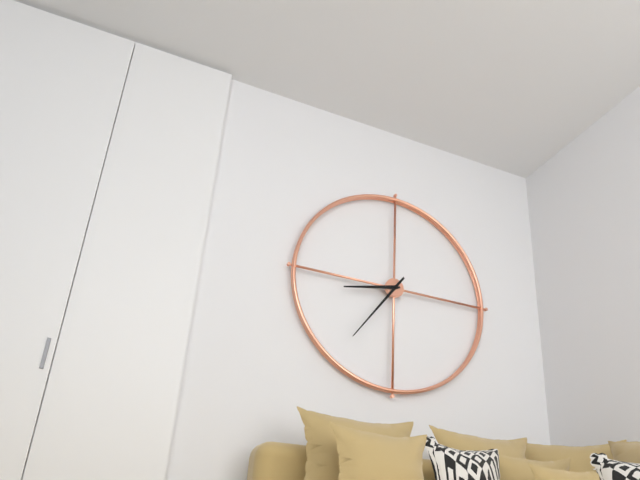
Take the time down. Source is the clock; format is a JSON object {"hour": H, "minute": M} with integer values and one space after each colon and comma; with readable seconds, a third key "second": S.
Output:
{"hour": 8, "minute": 36}
